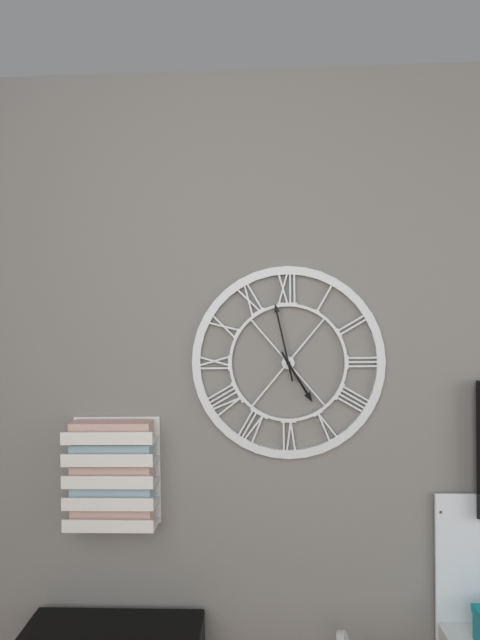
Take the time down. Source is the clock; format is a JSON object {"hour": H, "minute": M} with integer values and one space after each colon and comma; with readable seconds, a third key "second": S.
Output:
{"hour": 4, "minute": 58}
